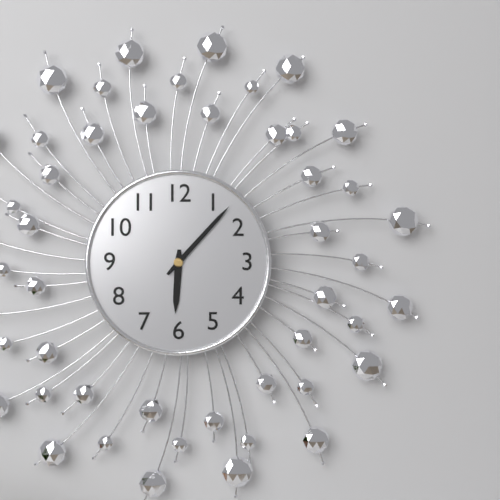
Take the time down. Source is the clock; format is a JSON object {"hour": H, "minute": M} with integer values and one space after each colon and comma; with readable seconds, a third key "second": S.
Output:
{"hour": 6, "minute": 7}
